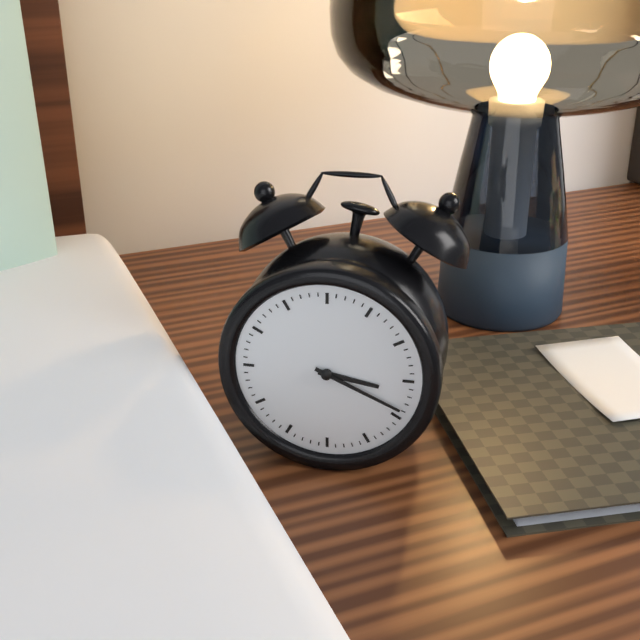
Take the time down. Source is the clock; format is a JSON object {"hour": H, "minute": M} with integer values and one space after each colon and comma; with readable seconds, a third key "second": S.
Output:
{"hour": 3, "minute": 19}
